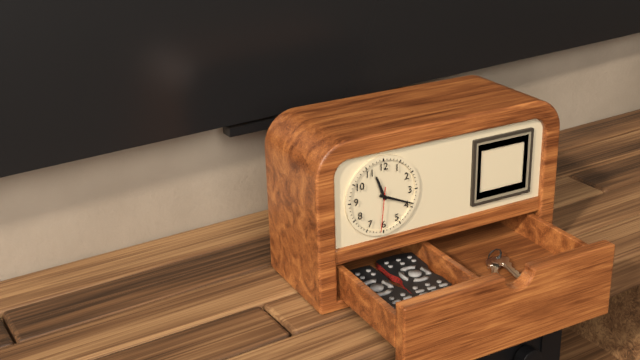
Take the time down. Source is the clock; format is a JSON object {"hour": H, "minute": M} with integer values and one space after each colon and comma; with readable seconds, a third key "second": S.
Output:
{"hour": 11, "minute": 19}
